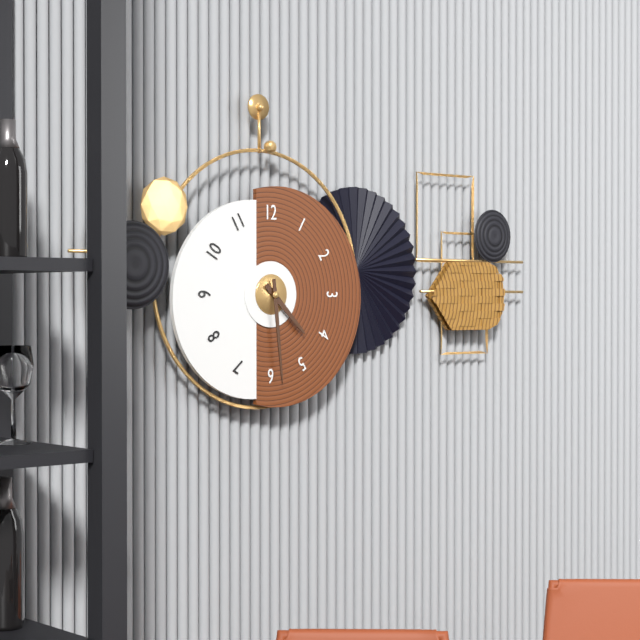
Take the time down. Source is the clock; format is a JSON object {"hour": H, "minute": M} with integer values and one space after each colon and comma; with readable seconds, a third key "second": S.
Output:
{"hour": 4, "minute": 29}
